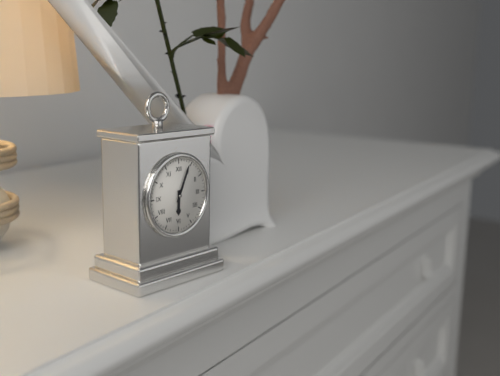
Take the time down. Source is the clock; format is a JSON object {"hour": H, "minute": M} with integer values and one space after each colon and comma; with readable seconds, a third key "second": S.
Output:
{"hour": 6, "minute": 4}
